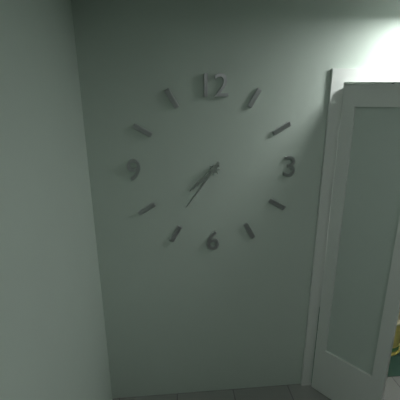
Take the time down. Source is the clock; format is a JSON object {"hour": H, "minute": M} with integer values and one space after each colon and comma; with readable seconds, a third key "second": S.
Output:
{"hour": 7, "minute": 36}
